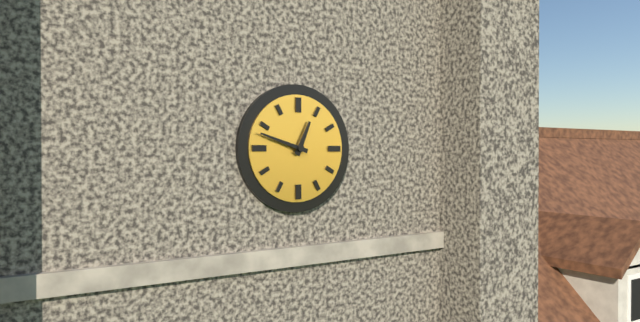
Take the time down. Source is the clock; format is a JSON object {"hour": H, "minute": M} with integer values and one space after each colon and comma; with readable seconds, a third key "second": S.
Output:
{"hour": 12, "minute": 48}
